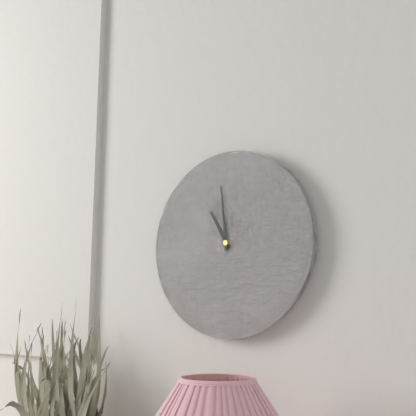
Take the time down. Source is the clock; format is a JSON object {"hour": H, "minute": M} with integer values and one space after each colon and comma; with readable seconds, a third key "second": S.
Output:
{"hour": 10, "minute": 59}
